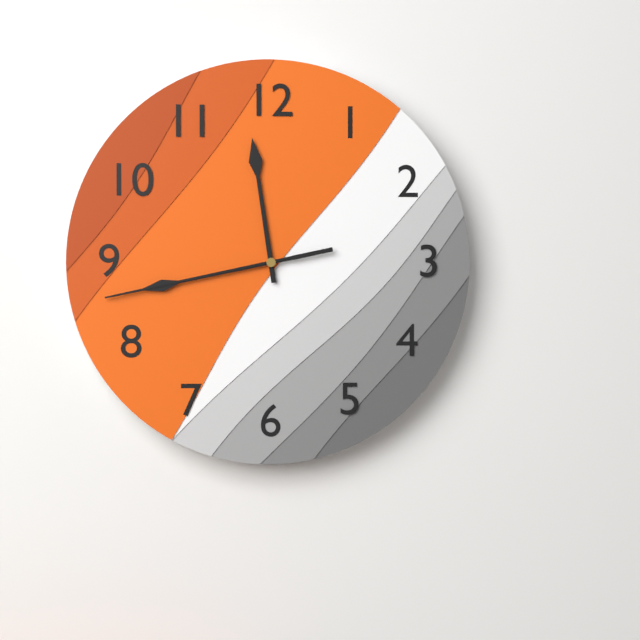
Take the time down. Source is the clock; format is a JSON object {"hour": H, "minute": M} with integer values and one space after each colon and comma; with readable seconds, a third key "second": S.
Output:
{"hour": 11, "minute": 43, "second": 43}
